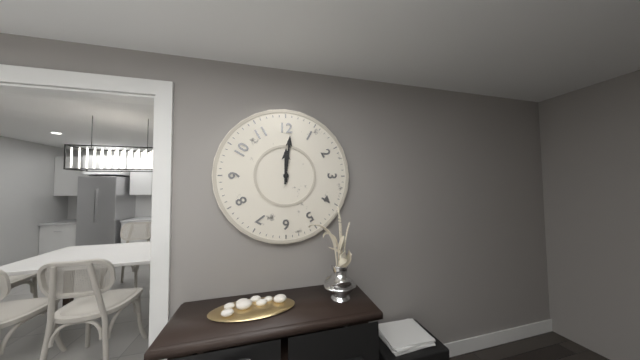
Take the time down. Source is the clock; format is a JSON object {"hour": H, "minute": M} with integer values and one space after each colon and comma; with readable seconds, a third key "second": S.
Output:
{"hour": 12, "minute": 1}
